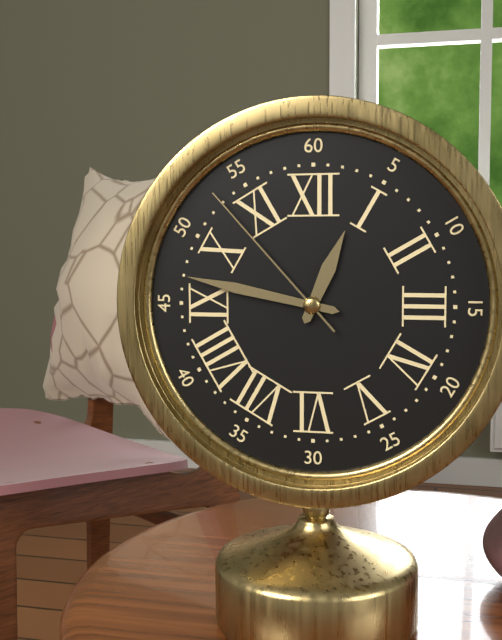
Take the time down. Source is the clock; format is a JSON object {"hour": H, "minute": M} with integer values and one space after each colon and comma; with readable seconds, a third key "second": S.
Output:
{"hour": 12, "minute": 47, "second": 53}
